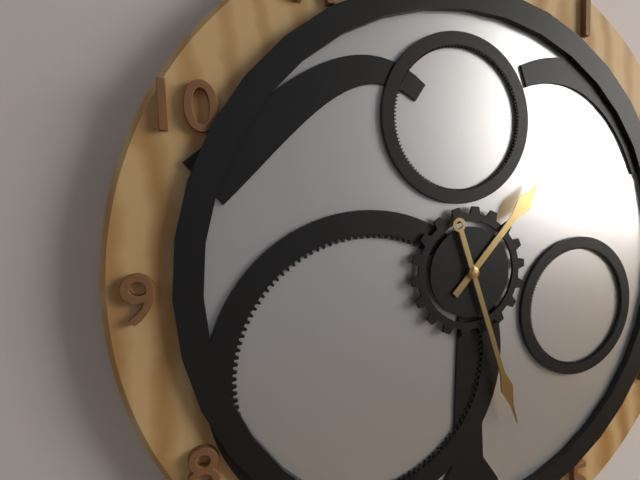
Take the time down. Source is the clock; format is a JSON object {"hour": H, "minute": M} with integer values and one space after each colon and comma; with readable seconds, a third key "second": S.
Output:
{"hour": 1, "minute": 27}
